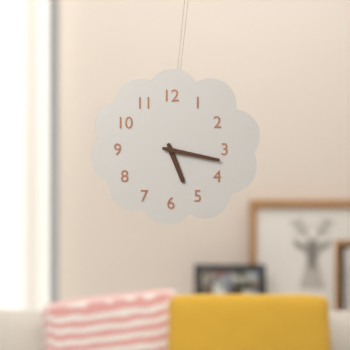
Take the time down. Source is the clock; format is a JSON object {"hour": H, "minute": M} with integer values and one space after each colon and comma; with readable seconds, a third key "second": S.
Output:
{"hour": 5, "minute": 17}
